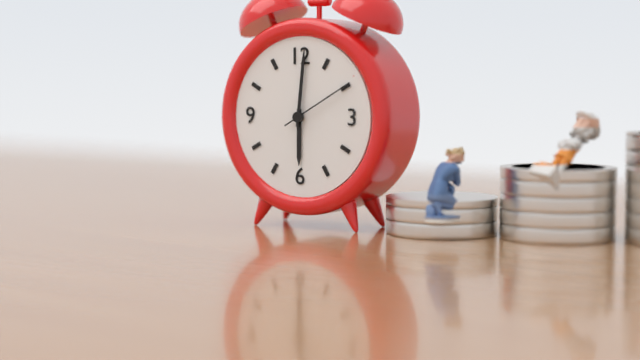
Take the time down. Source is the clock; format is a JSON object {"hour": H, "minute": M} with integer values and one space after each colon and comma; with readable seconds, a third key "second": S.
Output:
{"hour": 6, "minute": 1, "second": 10}
